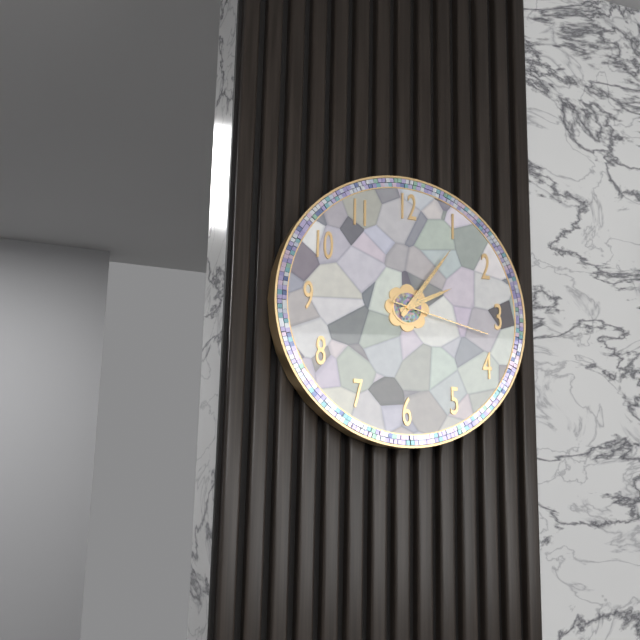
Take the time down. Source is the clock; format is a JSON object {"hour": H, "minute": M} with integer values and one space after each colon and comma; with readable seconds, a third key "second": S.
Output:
{"hour": 2, "minute": 6, "second": 17}
